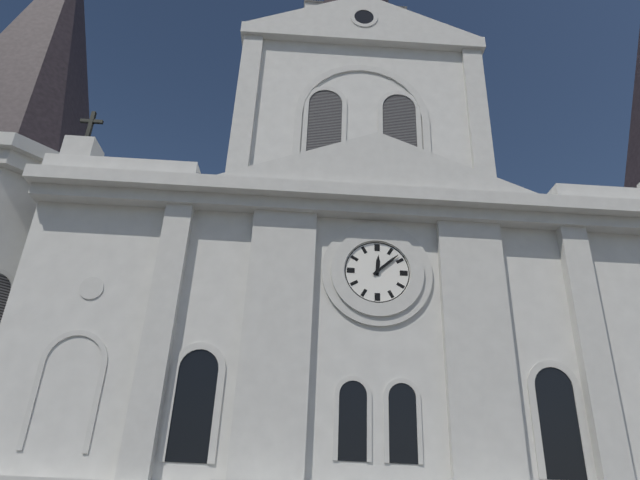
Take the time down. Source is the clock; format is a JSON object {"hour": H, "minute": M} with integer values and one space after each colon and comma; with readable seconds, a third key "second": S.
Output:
{"hour": 12, "minute": 8}
